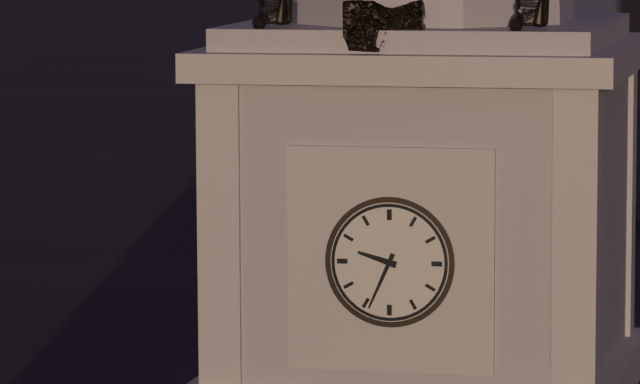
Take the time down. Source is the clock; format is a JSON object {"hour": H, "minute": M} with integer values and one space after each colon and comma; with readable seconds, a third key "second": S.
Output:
{"hour": 9, "minute": 34}
